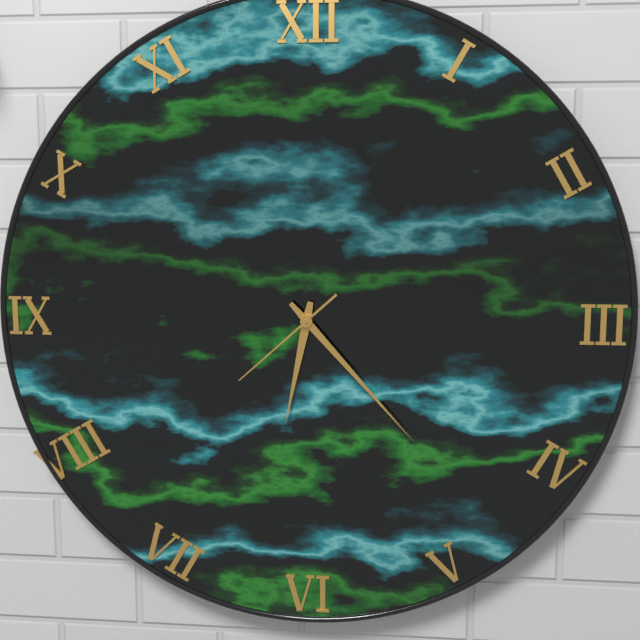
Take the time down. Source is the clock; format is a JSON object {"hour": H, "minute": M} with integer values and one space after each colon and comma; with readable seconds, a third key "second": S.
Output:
{"hour": 6, "minute": 23, "second": 38}
